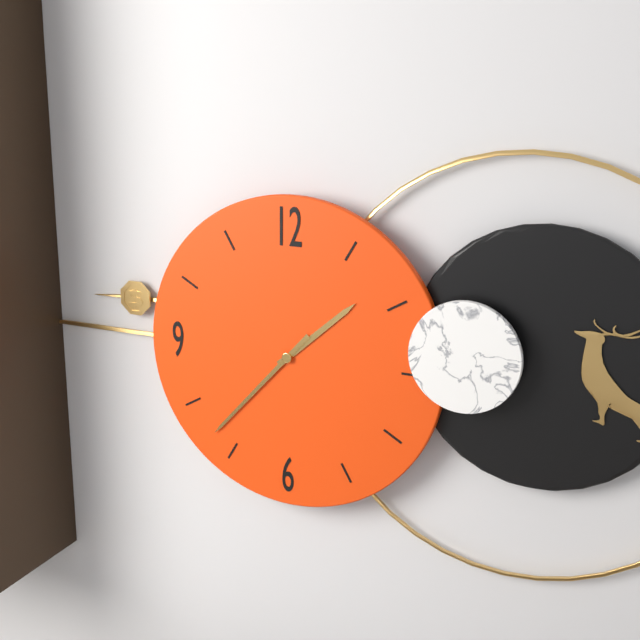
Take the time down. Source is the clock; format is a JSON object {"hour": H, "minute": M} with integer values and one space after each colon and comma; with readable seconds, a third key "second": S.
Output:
{"hour": 1, "minute": 37}
